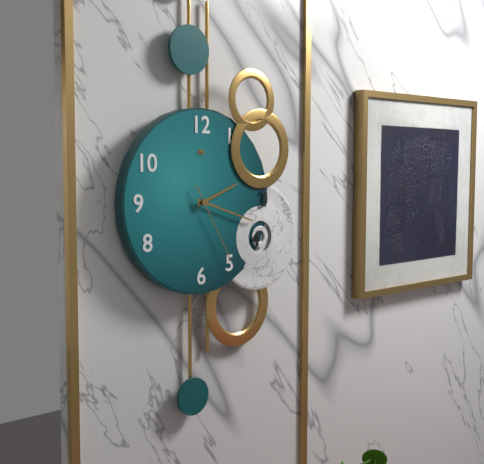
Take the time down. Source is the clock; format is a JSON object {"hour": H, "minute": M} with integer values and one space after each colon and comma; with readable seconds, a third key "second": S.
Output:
{"hour": 2, "minute": 18, "second": 25}
